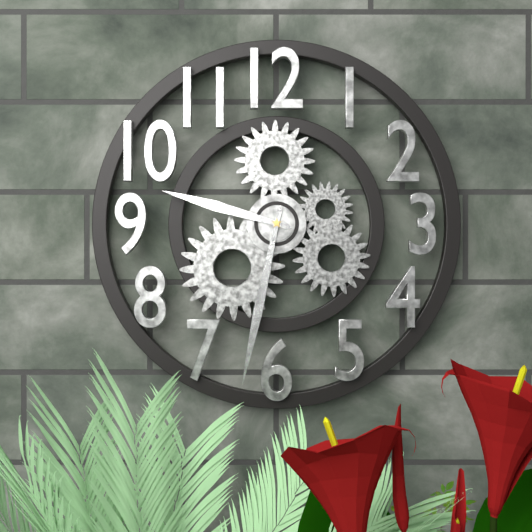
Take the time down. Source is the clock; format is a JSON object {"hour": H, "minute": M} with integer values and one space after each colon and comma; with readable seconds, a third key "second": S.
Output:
{"hour": 9, "minute": 32}
